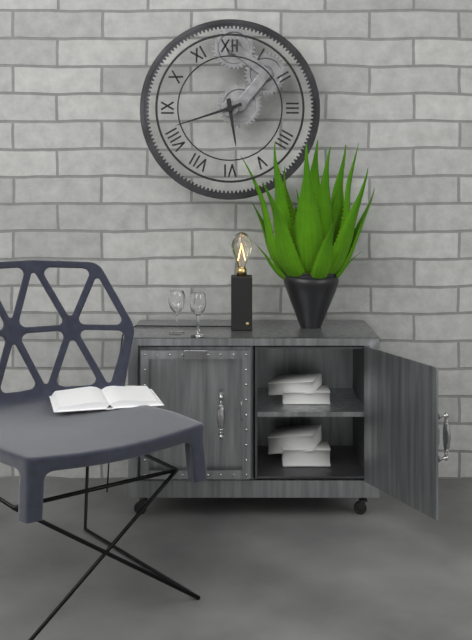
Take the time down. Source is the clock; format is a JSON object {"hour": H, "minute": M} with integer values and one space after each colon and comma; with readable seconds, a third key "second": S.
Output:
{"hour": 5, "minute": 42}
